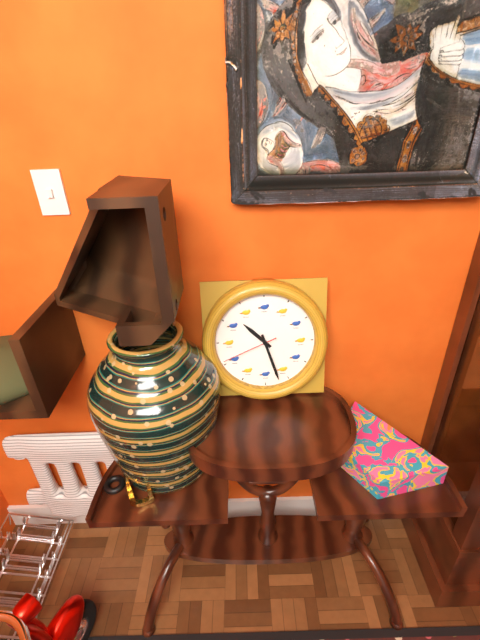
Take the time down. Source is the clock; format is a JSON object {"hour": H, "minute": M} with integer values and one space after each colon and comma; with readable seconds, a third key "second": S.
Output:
{"hour": 10, "minute": 27, "second": 41}
